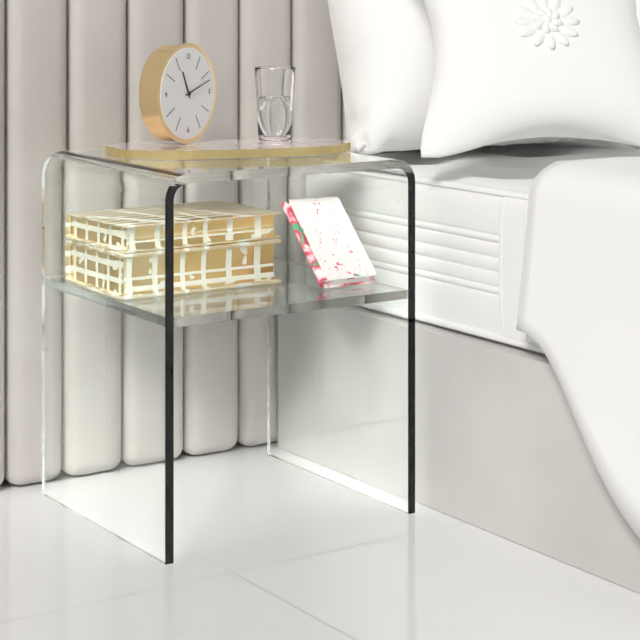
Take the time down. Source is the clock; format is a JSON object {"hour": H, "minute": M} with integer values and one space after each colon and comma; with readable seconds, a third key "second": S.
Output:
{"hour": 11, "minute": 12}
